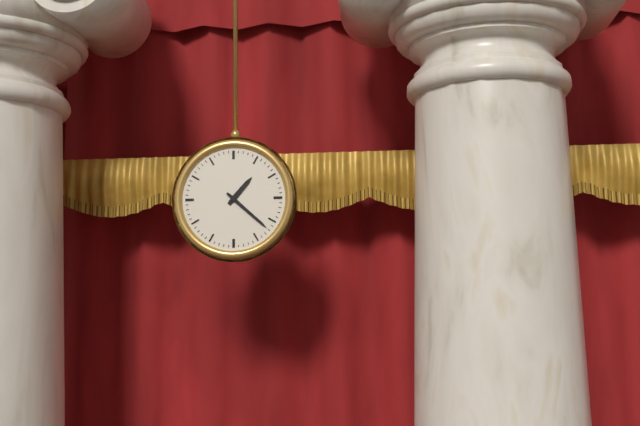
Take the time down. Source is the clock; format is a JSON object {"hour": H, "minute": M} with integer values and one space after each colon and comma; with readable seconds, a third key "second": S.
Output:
{"hour": 1, "minute": 22}
